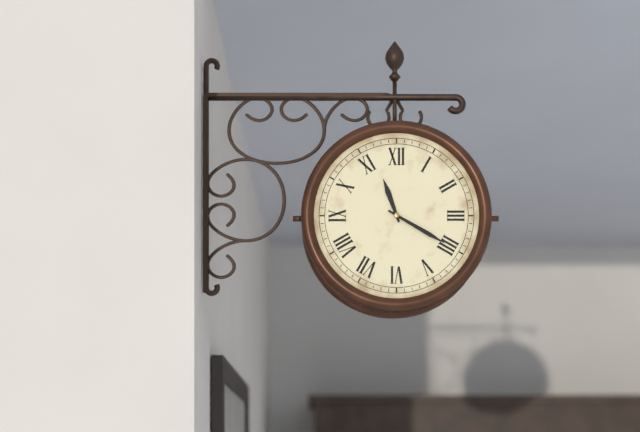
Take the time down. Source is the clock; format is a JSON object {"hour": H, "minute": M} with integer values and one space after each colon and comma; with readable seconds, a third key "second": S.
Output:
{"hour": 11, "minute": 20}
